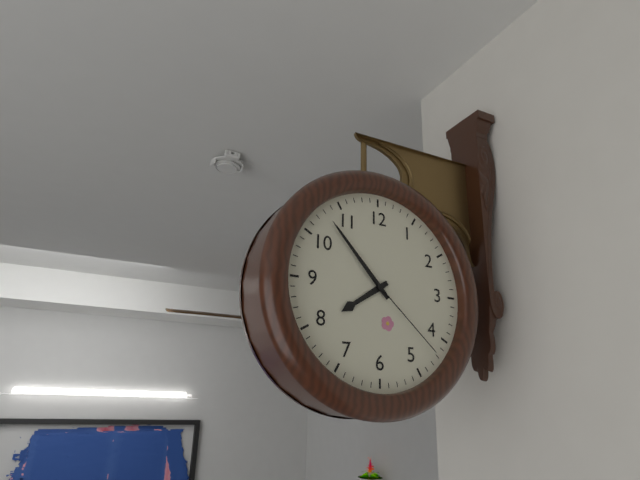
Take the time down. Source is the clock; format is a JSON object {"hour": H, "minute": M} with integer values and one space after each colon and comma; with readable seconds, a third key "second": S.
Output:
{"hour": 7, "minute": 53, "second": 22}
